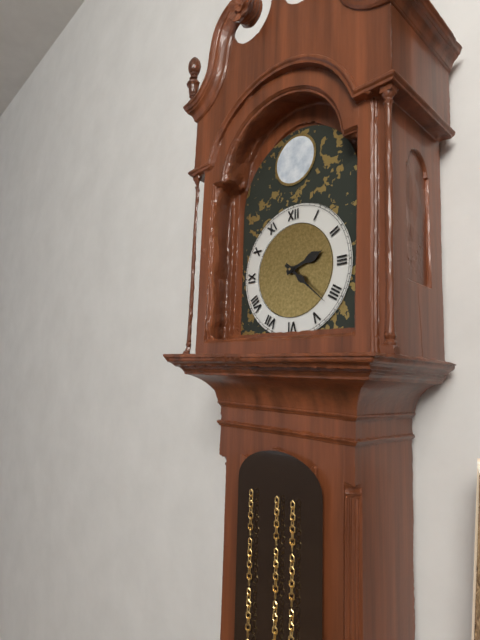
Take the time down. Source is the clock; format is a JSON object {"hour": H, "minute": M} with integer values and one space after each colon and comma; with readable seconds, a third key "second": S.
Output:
{"hour": 2, "minute": 22}
